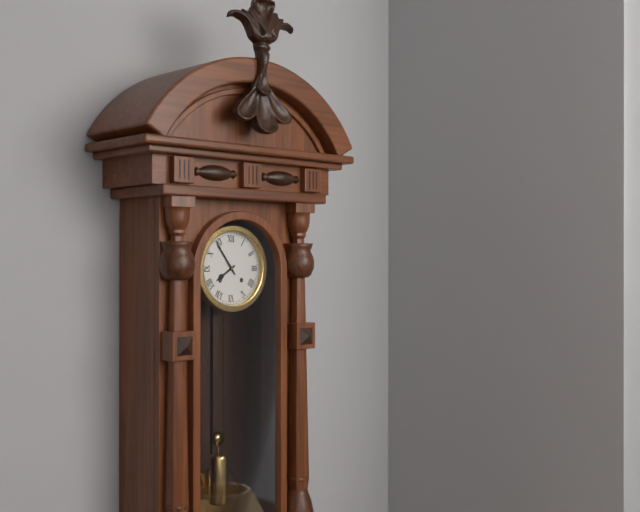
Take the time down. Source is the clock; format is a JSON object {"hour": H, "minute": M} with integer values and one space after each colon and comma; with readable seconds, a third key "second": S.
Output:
{"hour": 7, "minute": 54}
